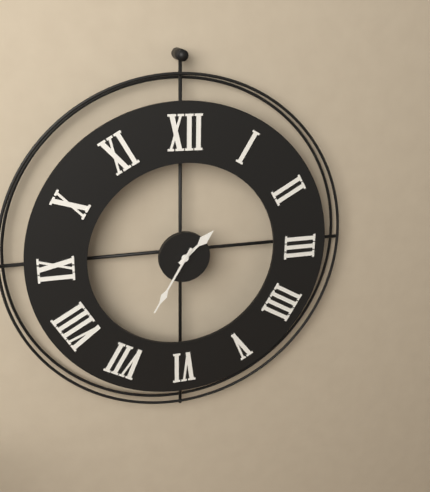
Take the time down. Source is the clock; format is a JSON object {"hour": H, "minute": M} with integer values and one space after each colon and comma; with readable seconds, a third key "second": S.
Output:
{"hour": 1, "minute": 35}
